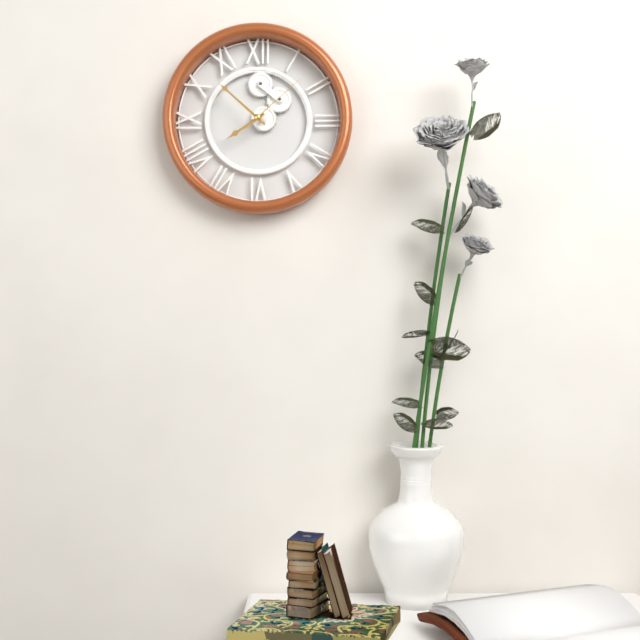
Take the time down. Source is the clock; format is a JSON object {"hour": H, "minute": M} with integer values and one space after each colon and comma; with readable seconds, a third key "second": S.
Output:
{"hour": 7, "minute": 52, "second": 8}
